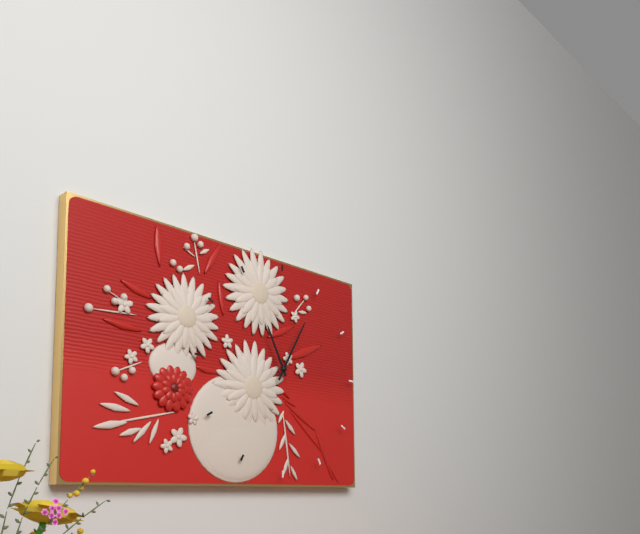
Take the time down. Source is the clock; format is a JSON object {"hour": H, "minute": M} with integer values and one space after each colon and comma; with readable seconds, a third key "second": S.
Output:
{"hour": 11, "minute": 5}
